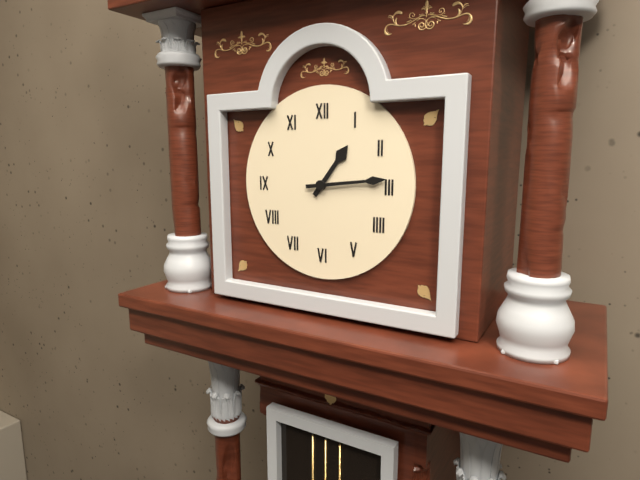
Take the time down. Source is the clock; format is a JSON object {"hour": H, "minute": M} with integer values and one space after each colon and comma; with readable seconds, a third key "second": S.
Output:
{"hour": 1, "minute": 14}
